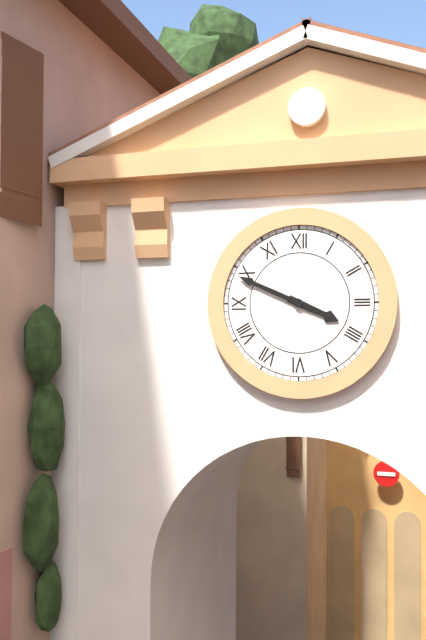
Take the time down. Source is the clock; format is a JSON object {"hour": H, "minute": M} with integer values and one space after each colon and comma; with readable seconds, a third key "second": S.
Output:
{"hour": 3, "minute": 49}
